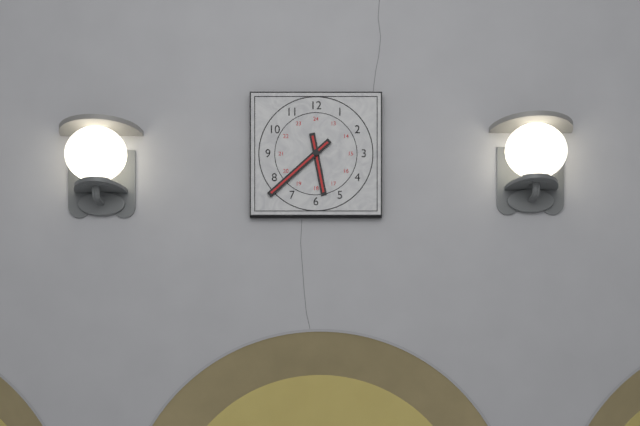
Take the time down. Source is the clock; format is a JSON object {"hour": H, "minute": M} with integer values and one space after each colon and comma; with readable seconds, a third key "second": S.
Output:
{"hour": 5, "minute": 38}
